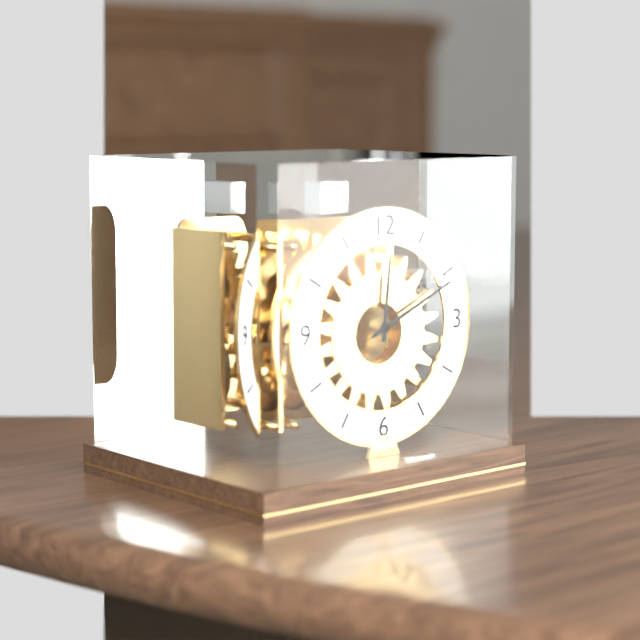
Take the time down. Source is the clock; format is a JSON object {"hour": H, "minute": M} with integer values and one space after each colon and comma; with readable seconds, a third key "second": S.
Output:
{"hour": 12, "minute": 11}
